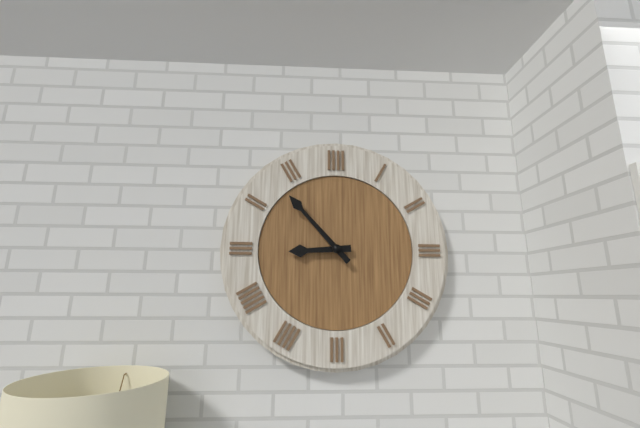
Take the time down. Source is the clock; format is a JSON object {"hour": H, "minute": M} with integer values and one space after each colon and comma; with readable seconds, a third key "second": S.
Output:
{"hour": 8, "minute": 53}
